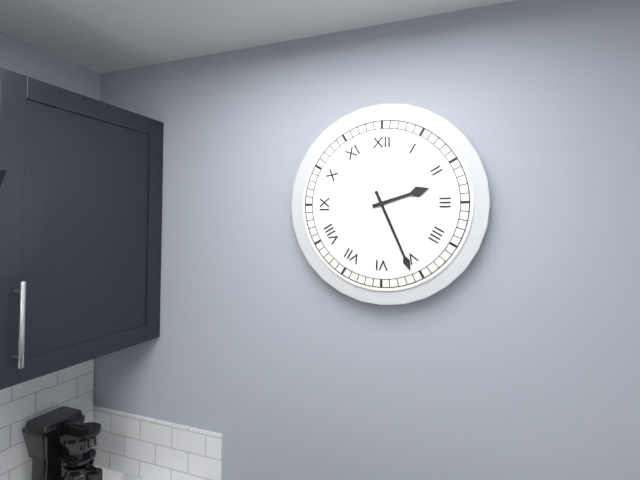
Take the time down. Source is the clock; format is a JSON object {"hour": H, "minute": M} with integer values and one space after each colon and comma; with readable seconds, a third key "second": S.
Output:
{"hour": 2, "minute": 26}
